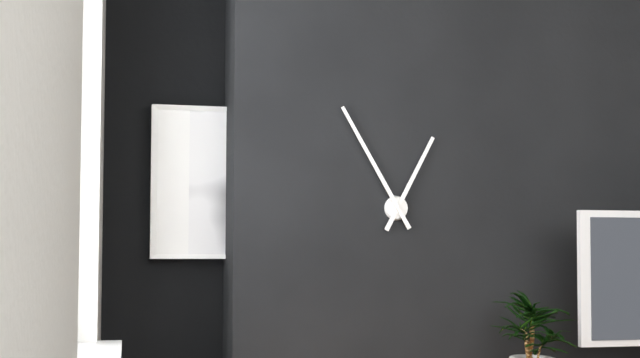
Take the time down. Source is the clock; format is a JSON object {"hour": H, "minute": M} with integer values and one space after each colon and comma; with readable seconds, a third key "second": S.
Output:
{"hour": 12, "minute": 55}
